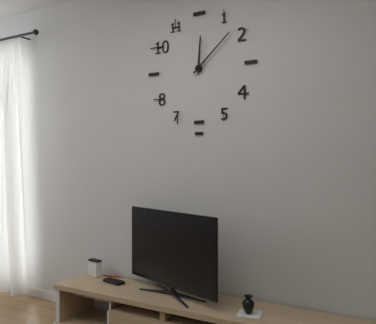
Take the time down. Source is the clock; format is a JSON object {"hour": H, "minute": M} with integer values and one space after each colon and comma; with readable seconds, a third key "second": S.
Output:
{"hour": 12, "minute": 8}
